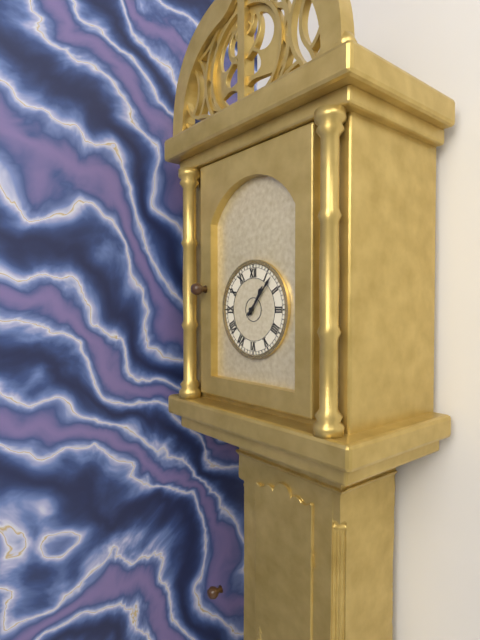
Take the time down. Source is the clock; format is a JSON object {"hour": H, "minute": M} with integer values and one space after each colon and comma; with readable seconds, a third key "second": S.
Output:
{"hour": 1, "minute": 7}
